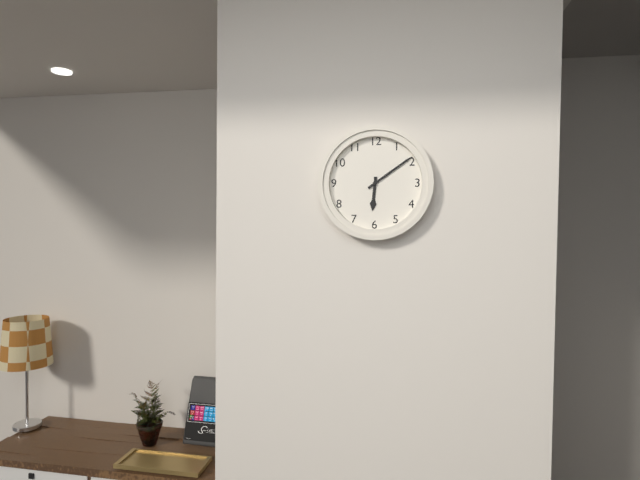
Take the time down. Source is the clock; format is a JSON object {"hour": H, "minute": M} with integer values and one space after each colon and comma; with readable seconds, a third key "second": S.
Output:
{"hour": 6, "minute": 9}
